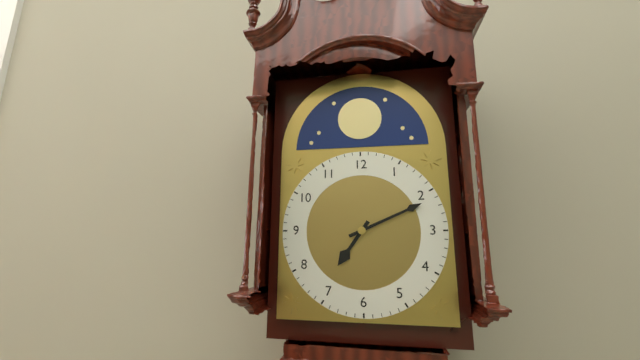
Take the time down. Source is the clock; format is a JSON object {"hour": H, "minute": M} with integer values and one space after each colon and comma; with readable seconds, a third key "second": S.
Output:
{"hour": 7, "minute": 11}
